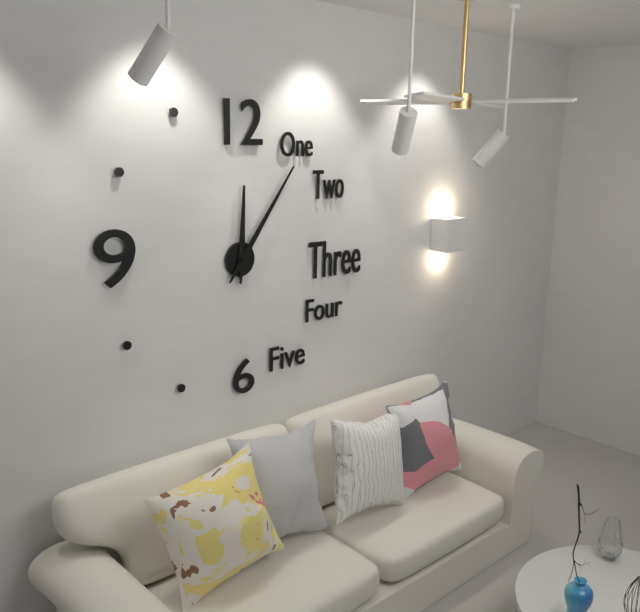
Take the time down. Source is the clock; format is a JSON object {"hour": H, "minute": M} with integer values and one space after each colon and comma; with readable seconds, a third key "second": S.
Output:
{"hour": 12, "minute": 6}
